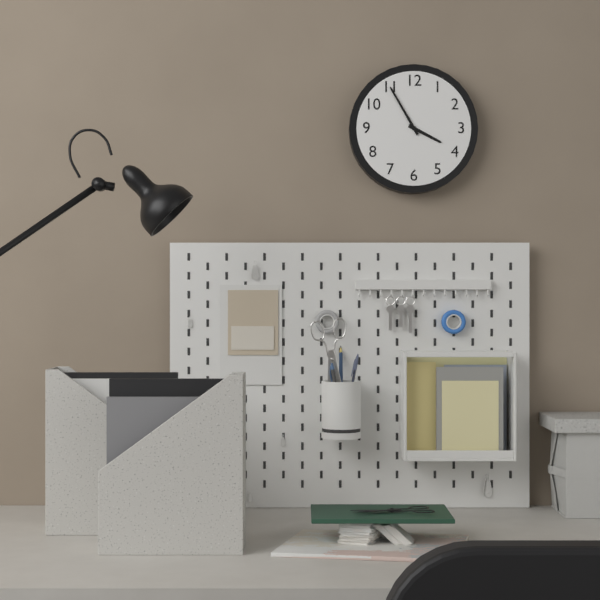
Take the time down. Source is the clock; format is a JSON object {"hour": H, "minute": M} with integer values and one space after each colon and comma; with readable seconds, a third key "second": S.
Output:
{"hour": 3, "minute": 55}
